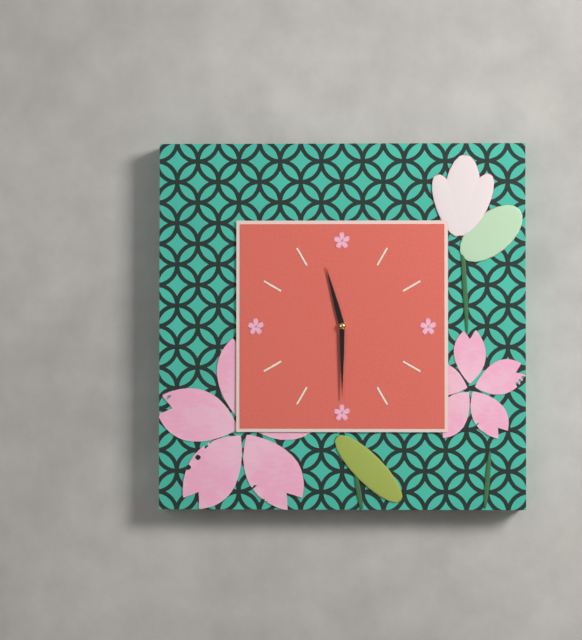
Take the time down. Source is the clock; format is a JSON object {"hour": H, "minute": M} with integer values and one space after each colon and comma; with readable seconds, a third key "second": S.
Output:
{"hour": 11, "minute": 30}
